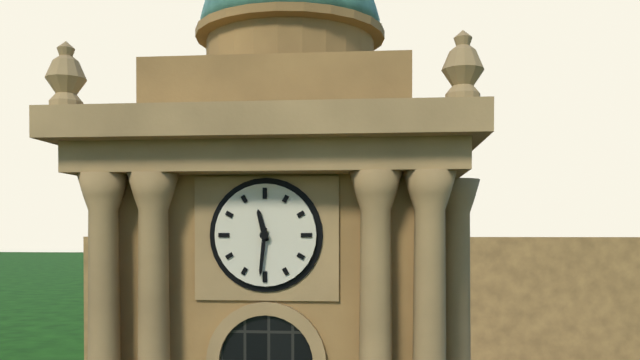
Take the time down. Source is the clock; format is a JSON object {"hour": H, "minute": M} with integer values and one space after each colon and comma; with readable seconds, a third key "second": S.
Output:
{"hour": 11, "minute": 31}
